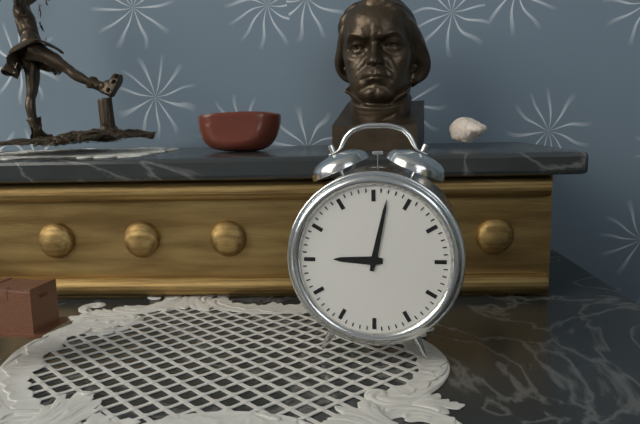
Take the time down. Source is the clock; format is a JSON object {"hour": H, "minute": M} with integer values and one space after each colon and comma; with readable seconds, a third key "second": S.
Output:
{"hour": 9, "minute": 2}
